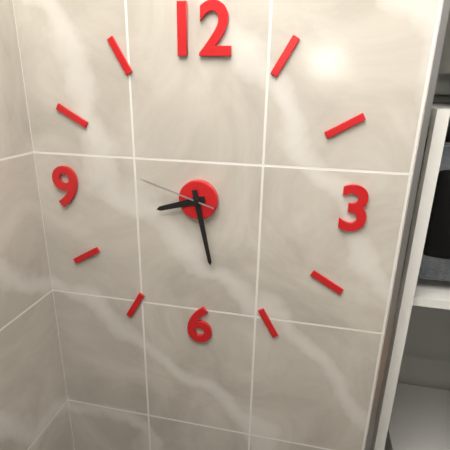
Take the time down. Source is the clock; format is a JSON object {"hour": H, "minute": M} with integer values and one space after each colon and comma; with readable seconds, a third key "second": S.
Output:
{"hour": 8, "minute": 28, "second": 48}
